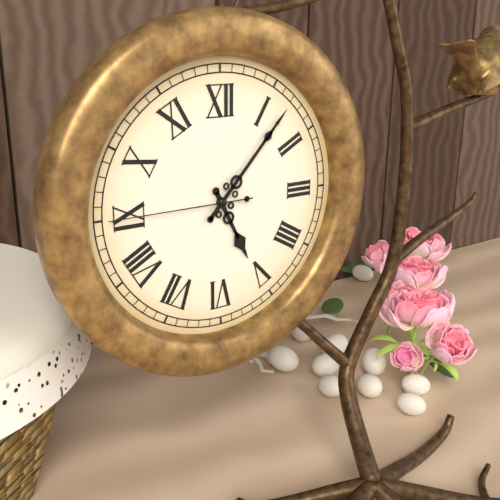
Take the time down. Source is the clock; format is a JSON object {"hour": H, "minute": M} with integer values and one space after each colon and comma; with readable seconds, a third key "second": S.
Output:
{"hour": 5, "minute": 7, "second": 45}
